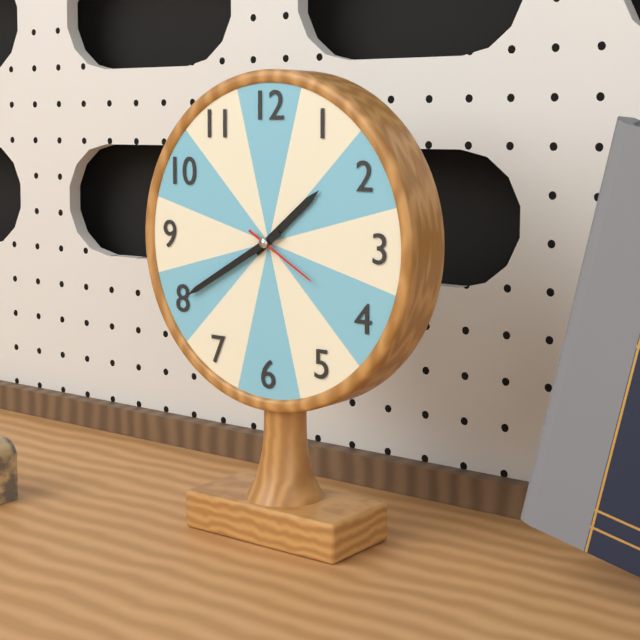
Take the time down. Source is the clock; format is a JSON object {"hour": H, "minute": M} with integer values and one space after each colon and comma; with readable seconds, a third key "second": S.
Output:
{"hour": 1, "minute": 40, "second": 20}
